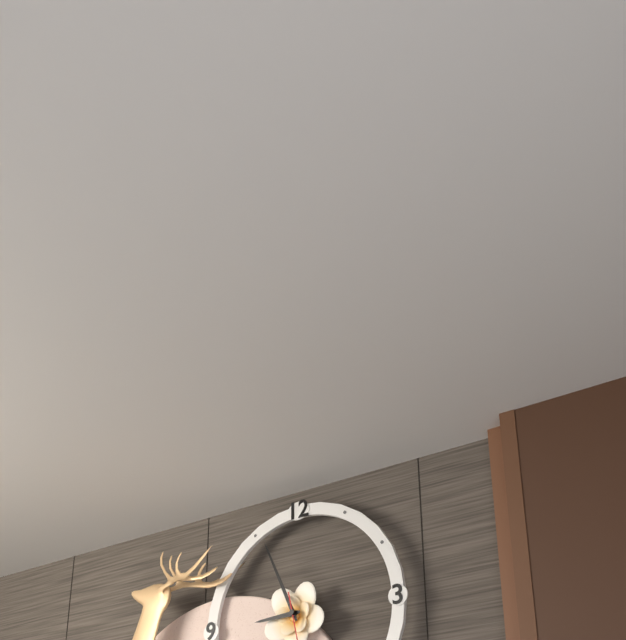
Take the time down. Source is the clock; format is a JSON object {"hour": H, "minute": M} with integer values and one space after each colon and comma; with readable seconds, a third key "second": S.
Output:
{"hour": 8, "minute": 56}
